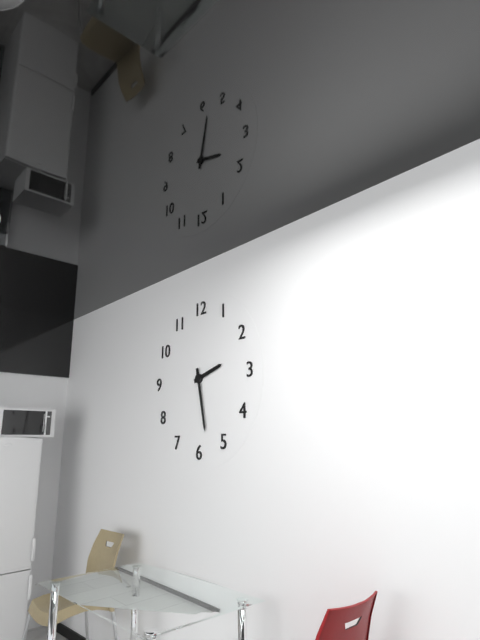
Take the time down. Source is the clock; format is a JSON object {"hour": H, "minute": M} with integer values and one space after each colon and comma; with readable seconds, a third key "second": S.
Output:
{"hour": 2, "minute": 28}
